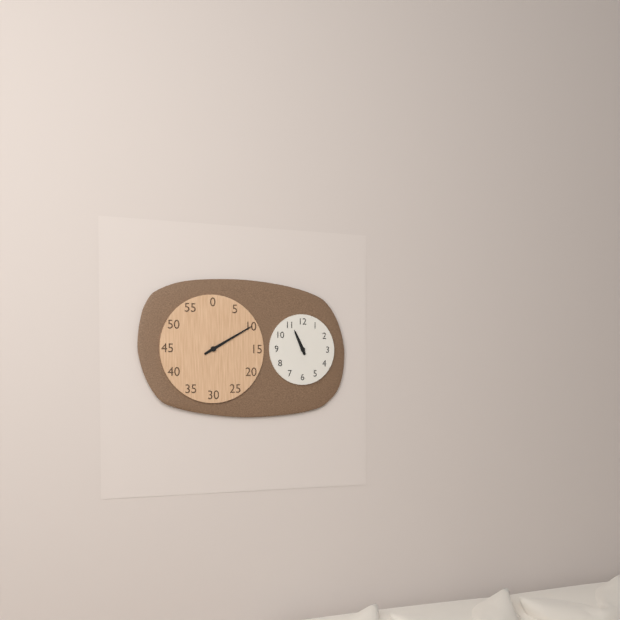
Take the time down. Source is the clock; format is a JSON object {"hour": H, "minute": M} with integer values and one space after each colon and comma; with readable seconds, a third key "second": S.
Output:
{"hour": 11, "minute": 10}
